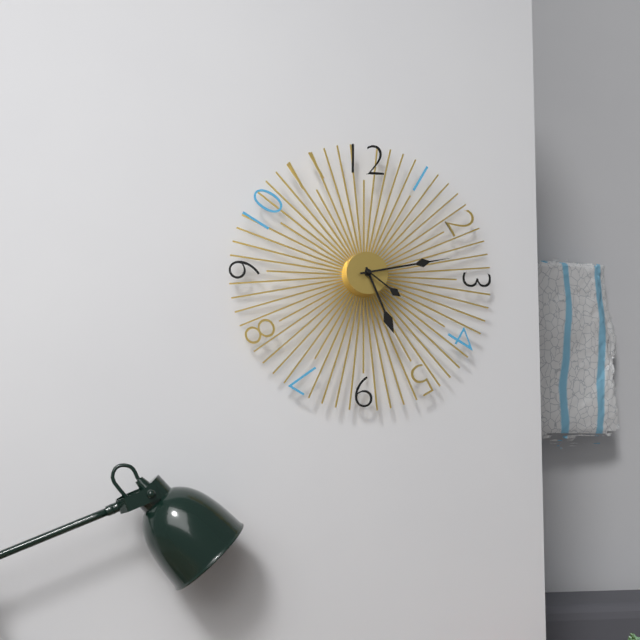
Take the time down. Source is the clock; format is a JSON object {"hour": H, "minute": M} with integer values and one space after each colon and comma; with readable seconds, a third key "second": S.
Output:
{"hour": 5, "minute": 13, "second": 21}
